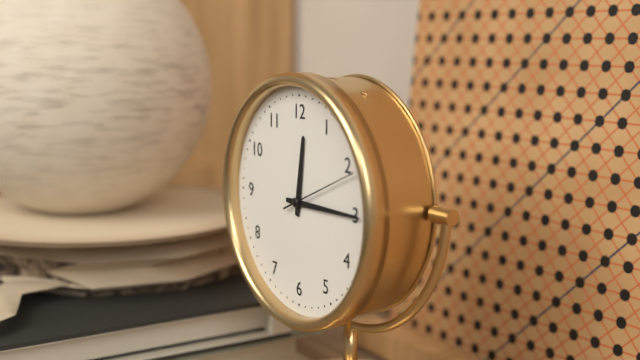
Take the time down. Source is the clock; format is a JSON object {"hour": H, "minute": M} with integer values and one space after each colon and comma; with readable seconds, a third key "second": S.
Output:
{"hour": 12, "minute": 15, "second": 11}
